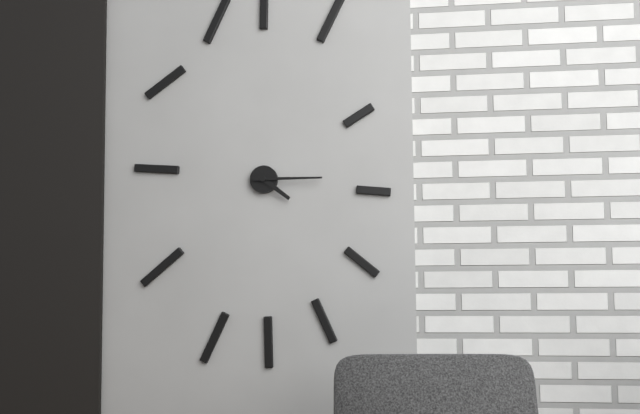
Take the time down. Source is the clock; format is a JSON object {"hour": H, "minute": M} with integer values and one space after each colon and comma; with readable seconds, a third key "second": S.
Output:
{"hour": 4, "minute": 15}
